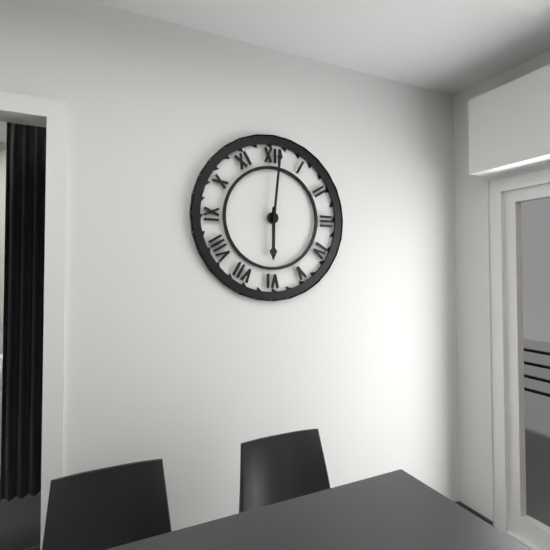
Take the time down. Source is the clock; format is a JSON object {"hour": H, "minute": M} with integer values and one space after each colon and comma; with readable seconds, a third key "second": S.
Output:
{"hour": 6, "minute": 1}
